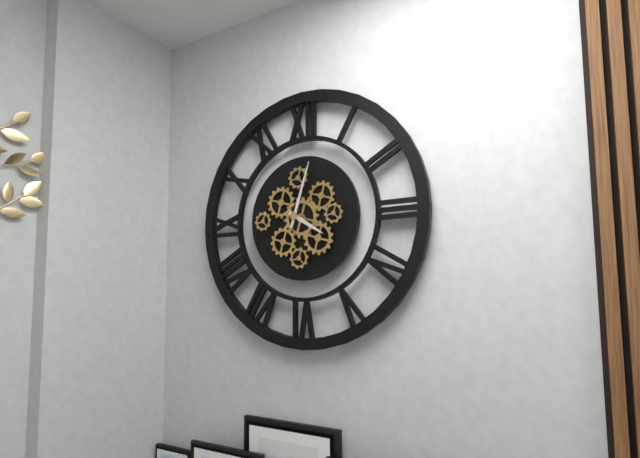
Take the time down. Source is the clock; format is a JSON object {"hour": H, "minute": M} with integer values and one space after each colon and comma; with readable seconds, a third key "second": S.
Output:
{"hour": 4, "minute": 3}
